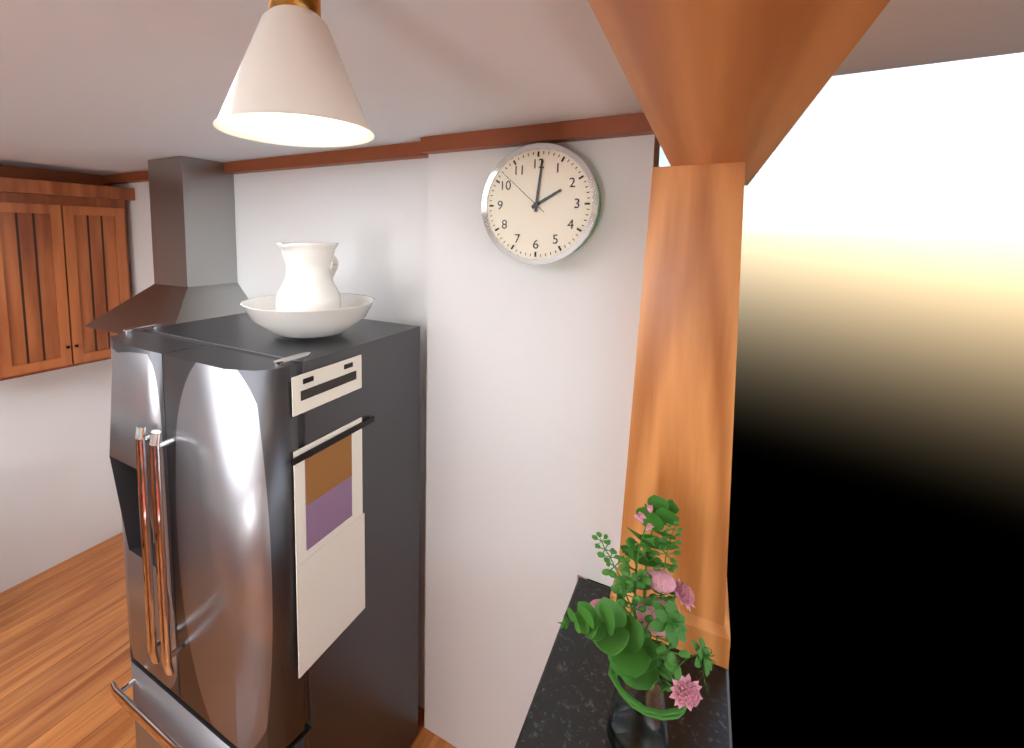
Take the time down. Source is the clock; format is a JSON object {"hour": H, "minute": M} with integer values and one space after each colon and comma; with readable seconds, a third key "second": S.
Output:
{"hour": 2, "minute": 1, "second": 52}
